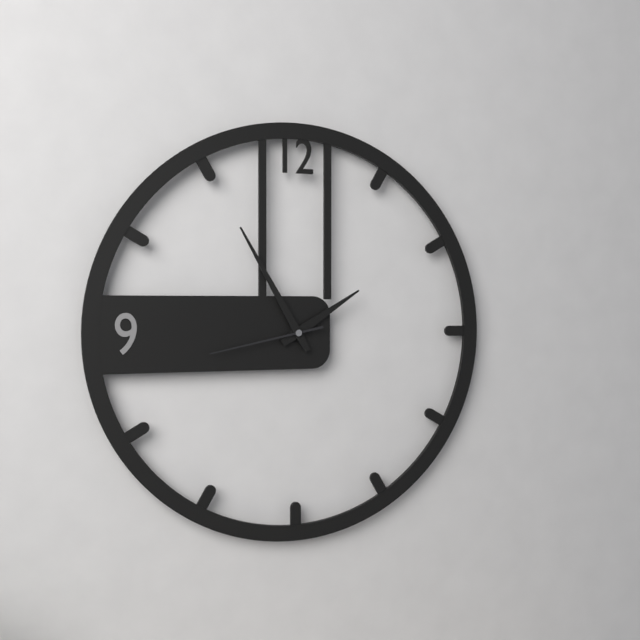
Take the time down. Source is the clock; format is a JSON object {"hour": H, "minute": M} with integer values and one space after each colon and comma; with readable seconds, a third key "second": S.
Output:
{"hour": 1, "minute": 55, "second": 43}
